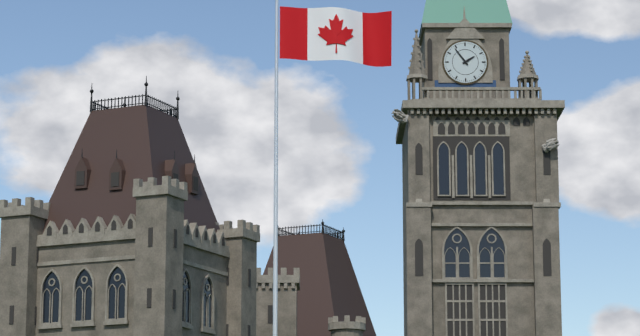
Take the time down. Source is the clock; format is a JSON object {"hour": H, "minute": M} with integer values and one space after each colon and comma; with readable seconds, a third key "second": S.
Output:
{"hour": 1, "minute": 54}
